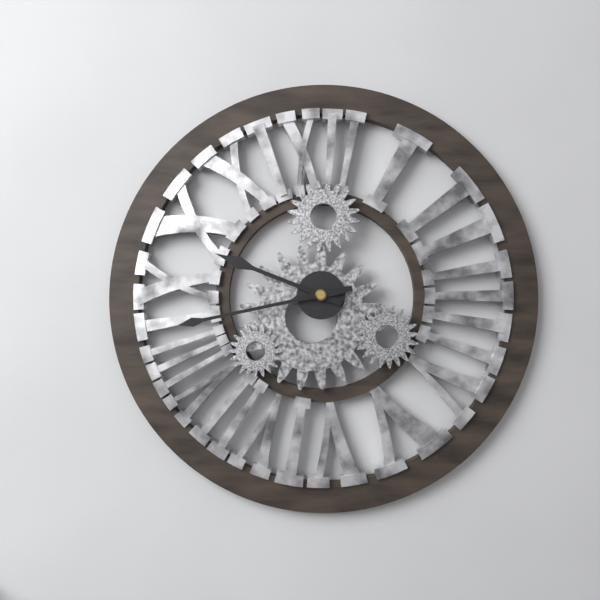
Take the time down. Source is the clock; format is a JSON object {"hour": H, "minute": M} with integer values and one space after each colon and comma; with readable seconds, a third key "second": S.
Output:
{"hour": 9, "minute": 43}
